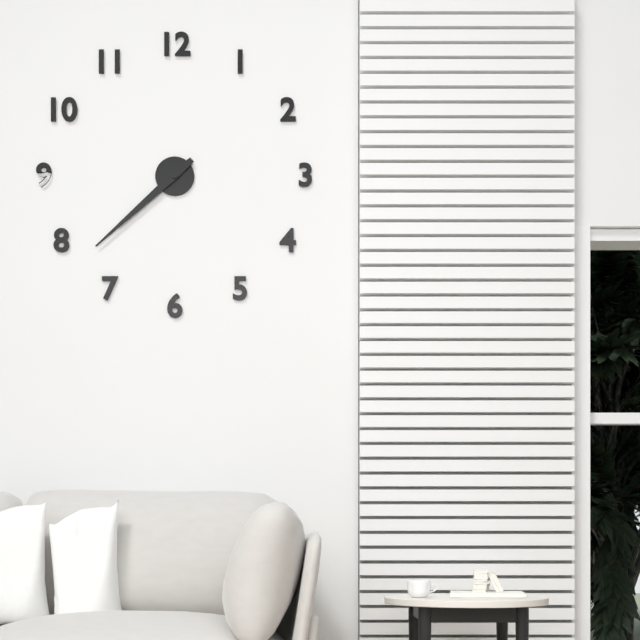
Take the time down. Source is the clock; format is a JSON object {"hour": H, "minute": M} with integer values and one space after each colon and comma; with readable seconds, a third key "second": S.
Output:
{"hour": 7, "minute": 38}
